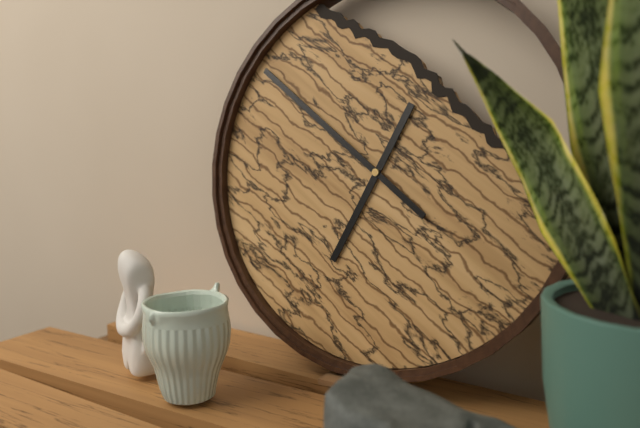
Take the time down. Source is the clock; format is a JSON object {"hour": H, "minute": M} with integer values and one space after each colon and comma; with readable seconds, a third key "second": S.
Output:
{"hour": 6, "minute": 51}
